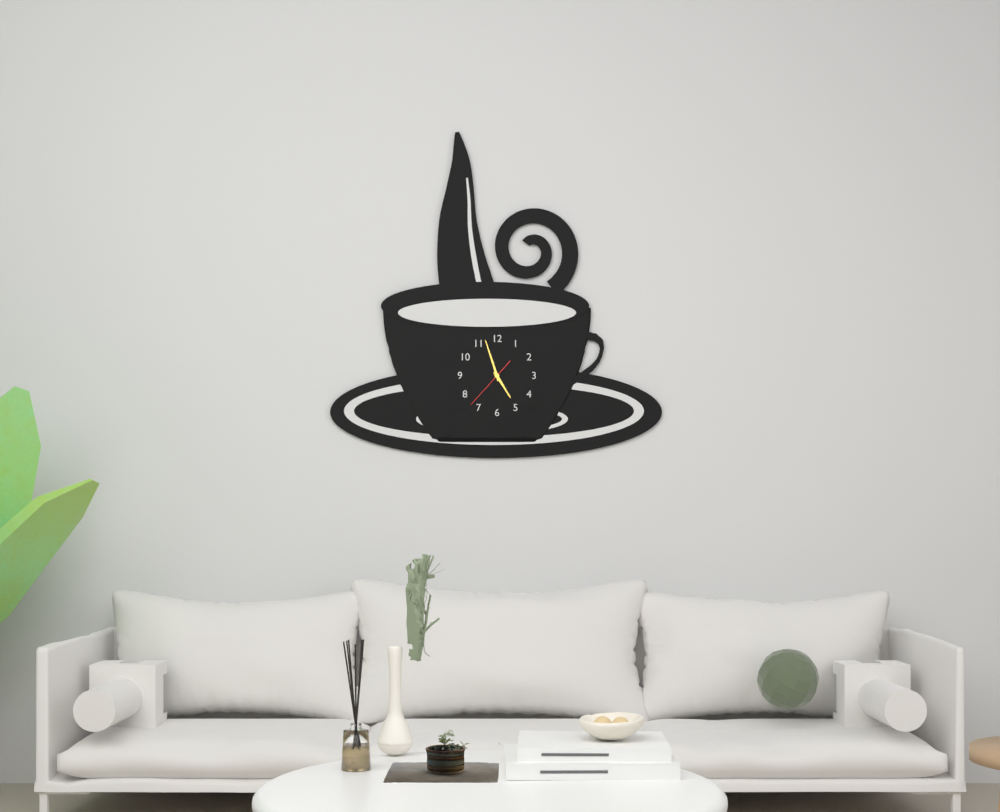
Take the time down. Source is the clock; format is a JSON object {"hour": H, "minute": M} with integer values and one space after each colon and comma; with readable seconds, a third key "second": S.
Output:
{"hour": 4, "minute": 57}
